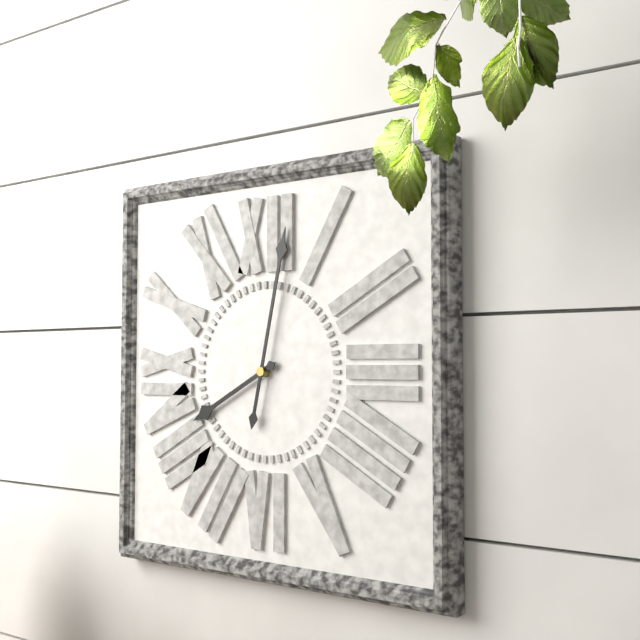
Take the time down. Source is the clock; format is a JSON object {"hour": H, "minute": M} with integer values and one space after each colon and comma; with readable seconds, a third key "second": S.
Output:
{"hour": 8, "minute": 2}
